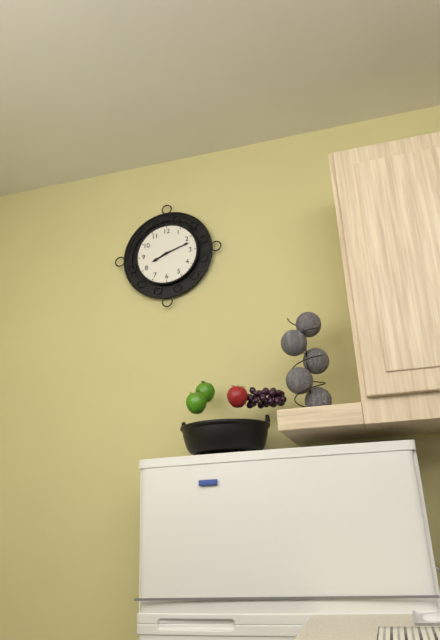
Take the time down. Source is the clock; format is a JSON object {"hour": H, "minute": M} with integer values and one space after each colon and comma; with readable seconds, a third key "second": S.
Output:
{"hour": 8, "minute": 12}
